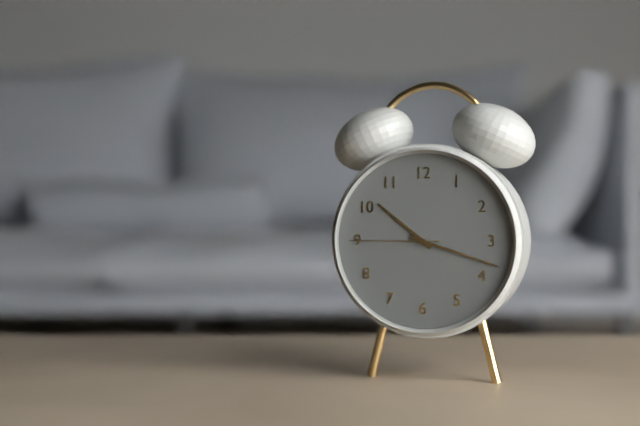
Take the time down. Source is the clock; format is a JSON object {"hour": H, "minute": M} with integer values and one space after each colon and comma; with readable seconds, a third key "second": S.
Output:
{"hour": 10, "minute": 18, "second": 45}
